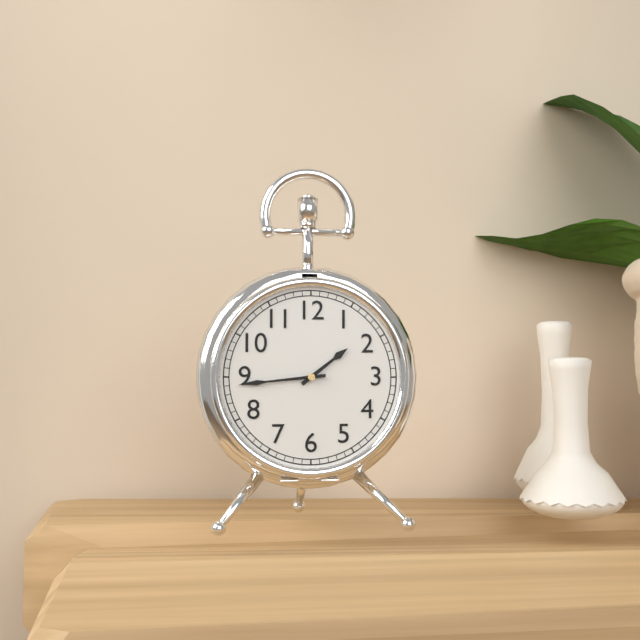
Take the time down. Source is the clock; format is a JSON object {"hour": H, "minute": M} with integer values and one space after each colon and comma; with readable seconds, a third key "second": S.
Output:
{"hour": 1, "minute": 44}
